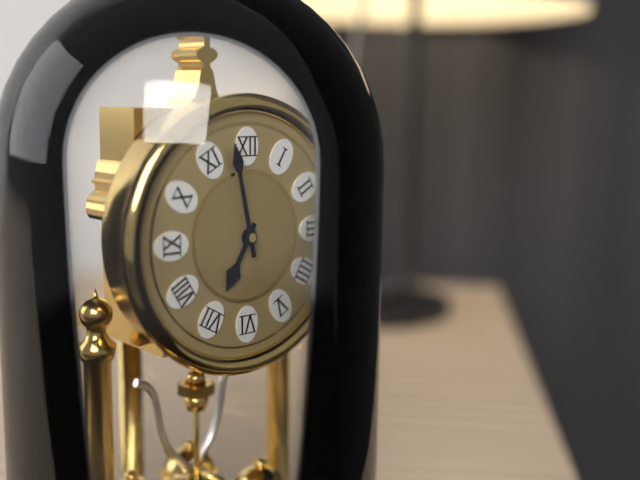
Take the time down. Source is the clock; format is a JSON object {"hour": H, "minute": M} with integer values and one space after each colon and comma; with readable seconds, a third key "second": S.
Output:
{"hour": 6, "minute": 58}
